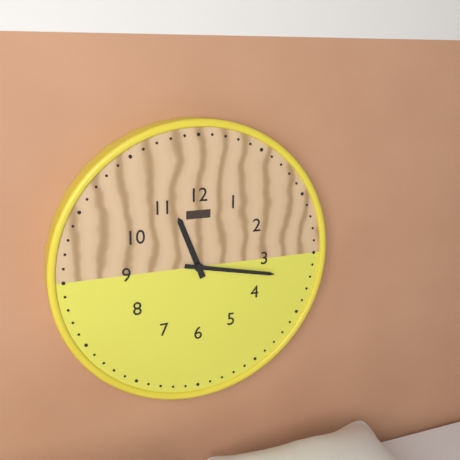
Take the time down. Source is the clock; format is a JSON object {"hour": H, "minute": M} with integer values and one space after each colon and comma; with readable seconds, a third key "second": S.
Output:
{"hour": 11, "minute": 17}
